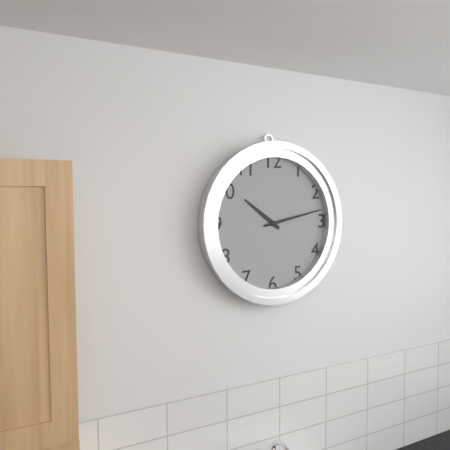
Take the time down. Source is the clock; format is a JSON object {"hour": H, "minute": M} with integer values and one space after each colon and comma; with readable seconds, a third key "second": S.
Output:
{"hour": 10, "minute": 13}
